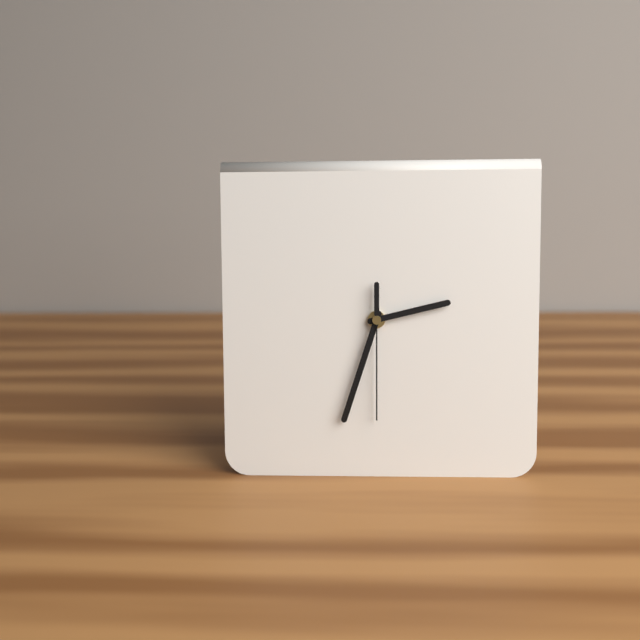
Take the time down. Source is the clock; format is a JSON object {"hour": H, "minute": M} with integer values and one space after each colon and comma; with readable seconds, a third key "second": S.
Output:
{"hour": 2, "minute": 33, "second": 30}
